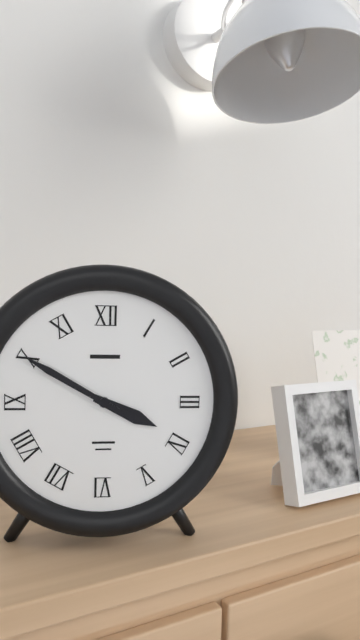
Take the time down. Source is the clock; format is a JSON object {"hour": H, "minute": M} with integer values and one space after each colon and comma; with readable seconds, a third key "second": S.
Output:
{"hour": 3, "minute": 50}
